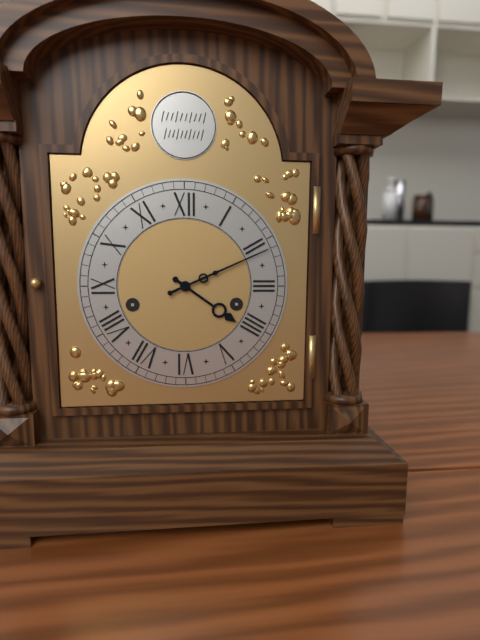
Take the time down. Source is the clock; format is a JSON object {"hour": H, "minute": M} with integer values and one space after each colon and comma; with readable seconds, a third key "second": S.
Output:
{"hour": 4, "minute": 11}
